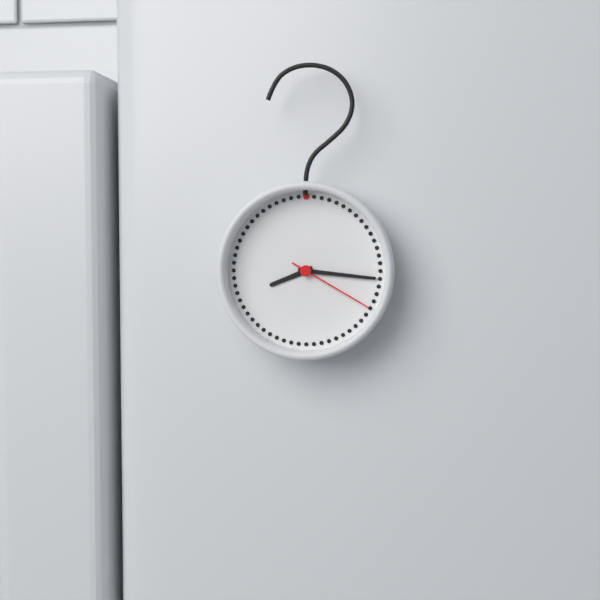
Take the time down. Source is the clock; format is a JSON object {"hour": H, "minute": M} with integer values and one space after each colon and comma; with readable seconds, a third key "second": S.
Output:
{"hour": 8, "minute": 16, "second": 20}
